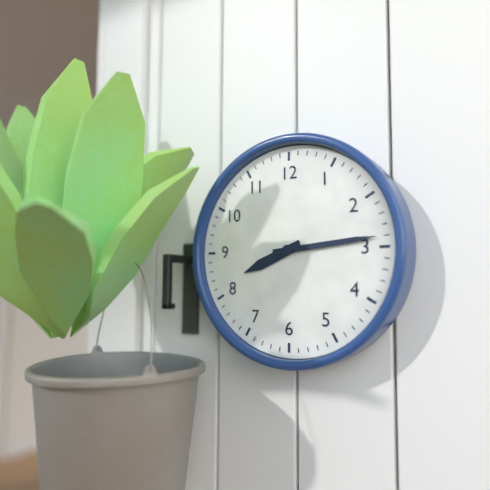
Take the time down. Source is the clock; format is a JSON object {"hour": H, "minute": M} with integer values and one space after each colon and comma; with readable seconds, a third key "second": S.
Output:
{"hour": 8, "minute": 14}
